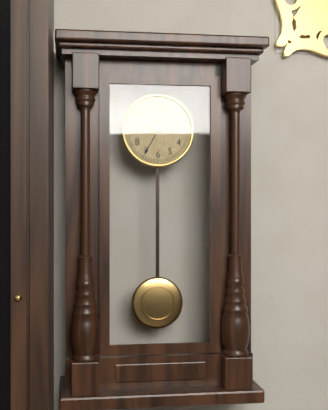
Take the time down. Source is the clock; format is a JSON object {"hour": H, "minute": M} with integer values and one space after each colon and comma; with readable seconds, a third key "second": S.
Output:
{"hour": 10, "minute": 35}
